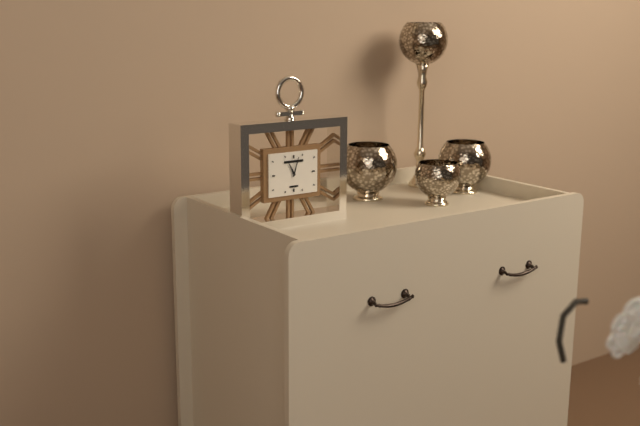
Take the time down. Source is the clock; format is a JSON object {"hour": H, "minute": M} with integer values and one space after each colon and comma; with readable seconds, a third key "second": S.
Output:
{"hour": 11, "minute": 3}
